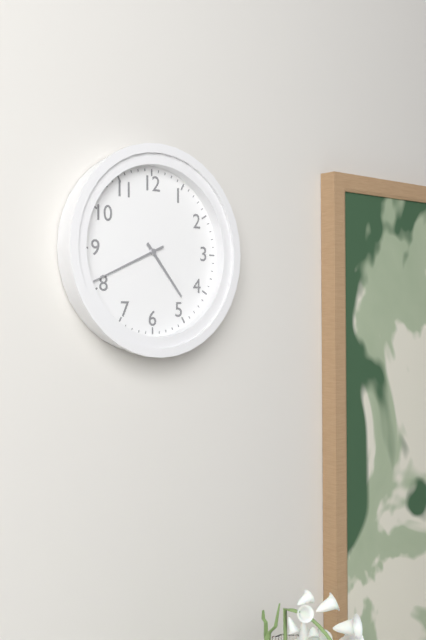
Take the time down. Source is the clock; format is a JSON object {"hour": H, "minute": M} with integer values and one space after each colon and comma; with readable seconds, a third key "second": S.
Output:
{"hour": 4, "minute": 41}
